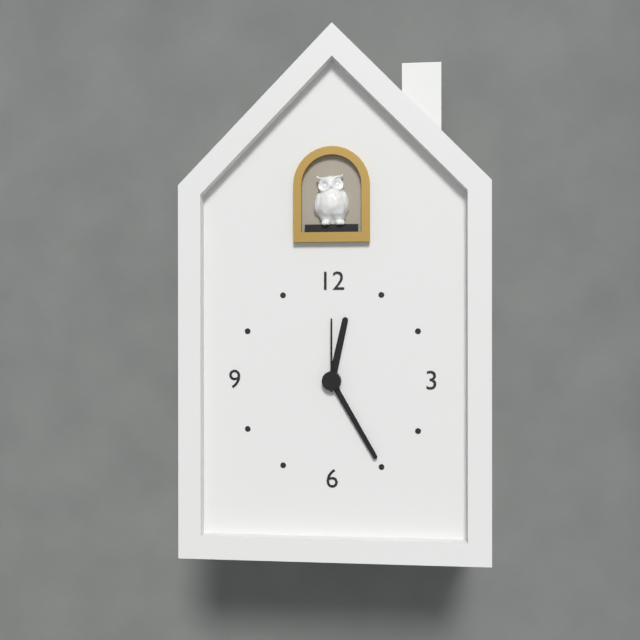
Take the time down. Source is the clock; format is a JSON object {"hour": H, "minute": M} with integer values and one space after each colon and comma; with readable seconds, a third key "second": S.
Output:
{"hour": 12, "minute": 25, "second": 0}
